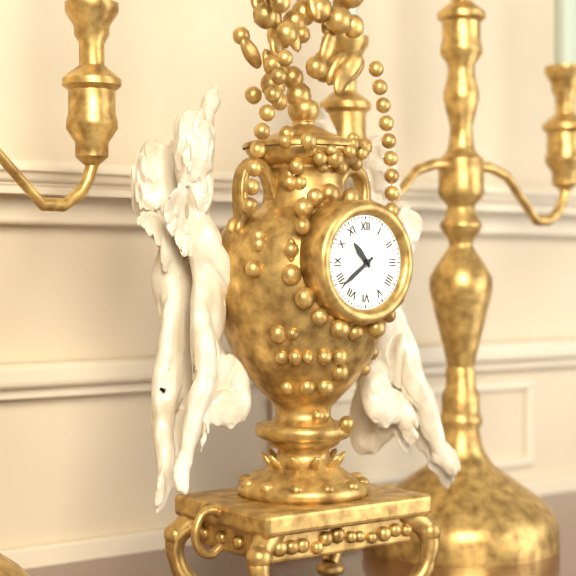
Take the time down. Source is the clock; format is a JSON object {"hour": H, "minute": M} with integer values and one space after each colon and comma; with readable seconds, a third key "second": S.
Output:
{"hour": 10, "minute": 39}
